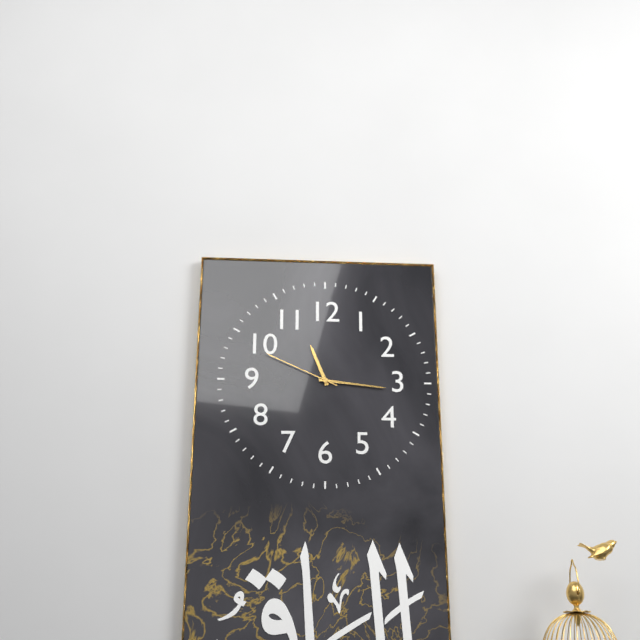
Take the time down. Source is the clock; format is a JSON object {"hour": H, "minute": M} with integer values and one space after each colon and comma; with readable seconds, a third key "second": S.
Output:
{"hour": 11, "minute": 16, "second": 49}
